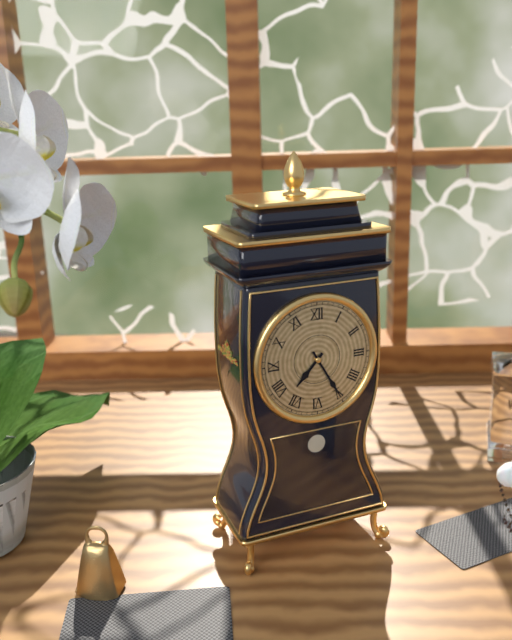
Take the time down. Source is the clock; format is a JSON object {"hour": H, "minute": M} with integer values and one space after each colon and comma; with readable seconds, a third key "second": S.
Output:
{"hour": 7, "minute": 25}
